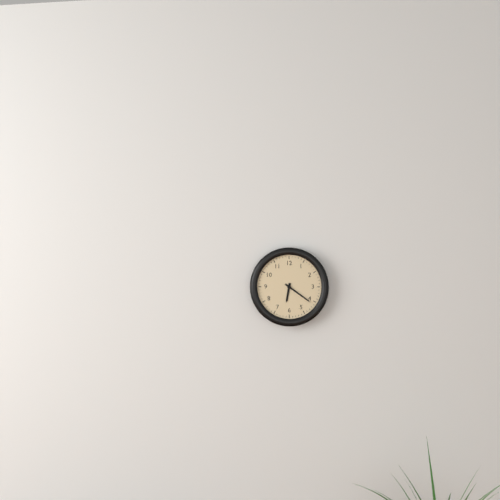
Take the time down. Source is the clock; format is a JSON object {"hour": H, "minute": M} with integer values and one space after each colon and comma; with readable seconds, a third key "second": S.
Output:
{"hour": 6, "minute": 21}
